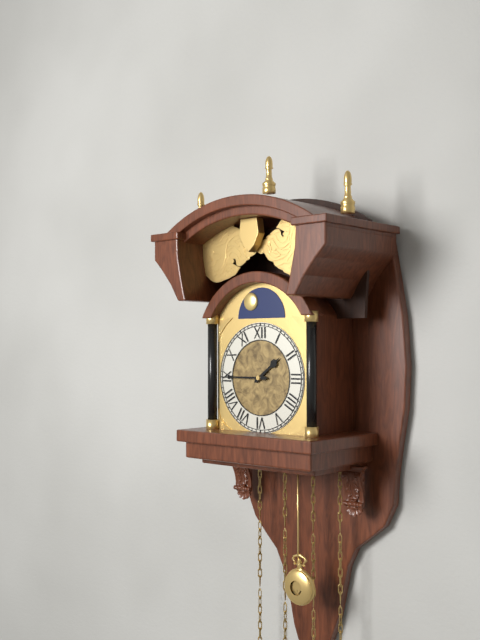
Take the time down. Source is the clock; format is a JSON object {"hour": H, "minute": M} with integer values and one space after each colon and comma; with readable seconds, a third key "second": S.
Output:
{"hour": 1, "minute": 45}
